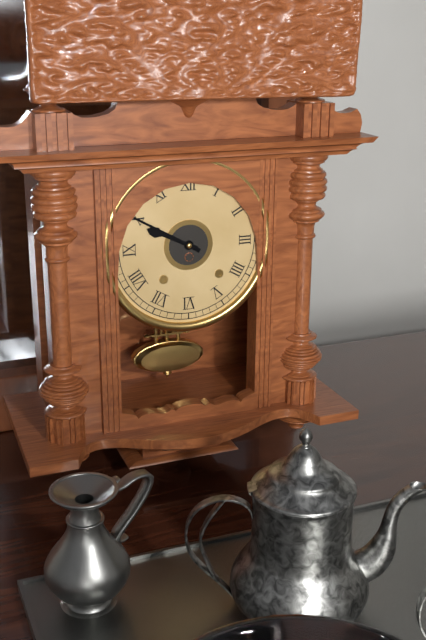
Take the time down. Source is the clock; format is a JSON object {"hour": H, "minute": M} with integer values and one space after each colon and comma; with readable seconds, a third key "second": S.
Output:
{"hour": 9, "minute": 50}
